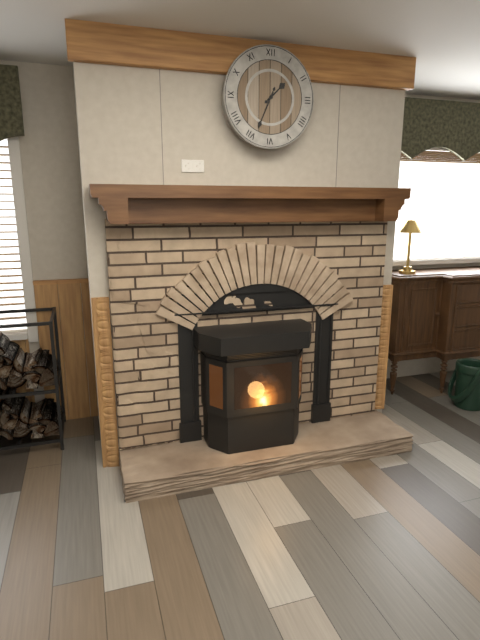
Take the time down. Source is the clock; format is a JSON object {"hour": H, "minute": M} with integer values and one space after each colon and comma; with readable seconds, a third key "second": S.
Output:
{"hour": 1, "minute": 34}
